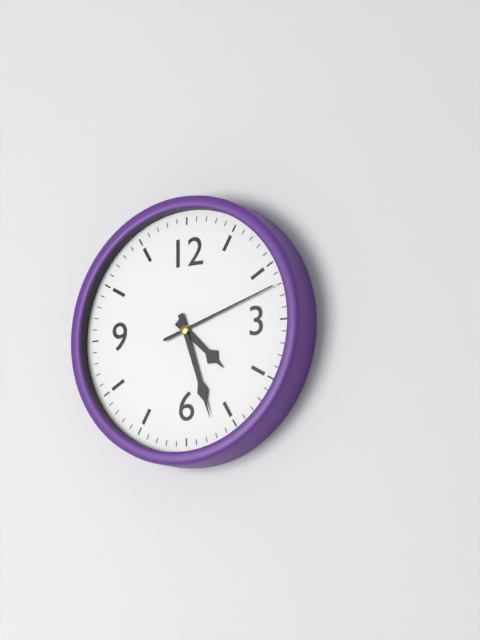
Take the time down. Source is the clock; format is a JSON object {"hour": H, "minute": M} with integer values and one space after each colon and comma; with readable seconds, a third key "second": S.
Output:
{"hour": 4, "minute": 27, "second": 12}
